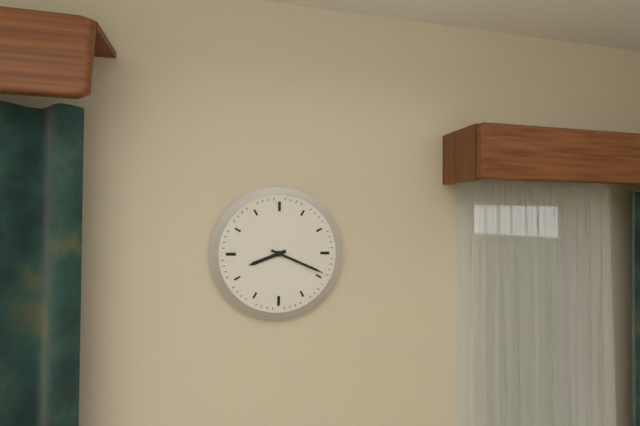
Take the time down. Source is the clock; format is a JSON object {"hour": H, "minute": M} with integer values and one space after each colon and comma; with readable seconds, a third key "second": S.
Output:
{"hour": 8, "minute": 19}
